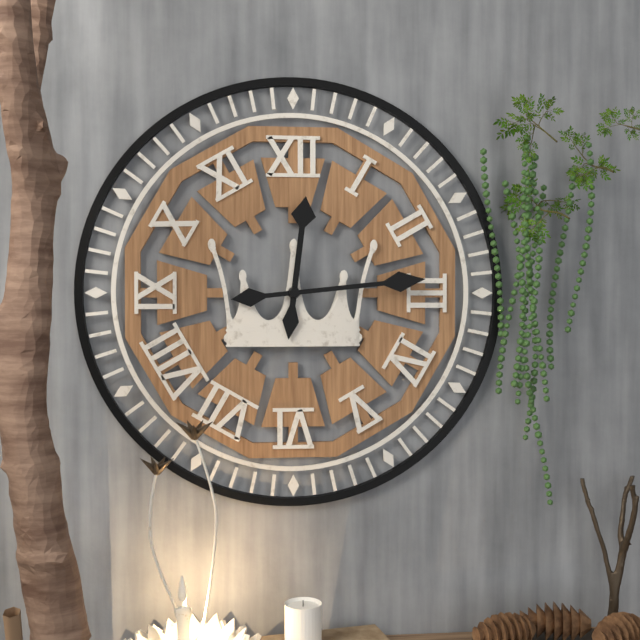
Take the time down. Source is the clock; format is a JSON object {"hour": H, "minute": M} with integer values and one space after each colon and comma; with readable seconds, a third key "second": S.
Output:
{"hour": 12, "minute": 14}
